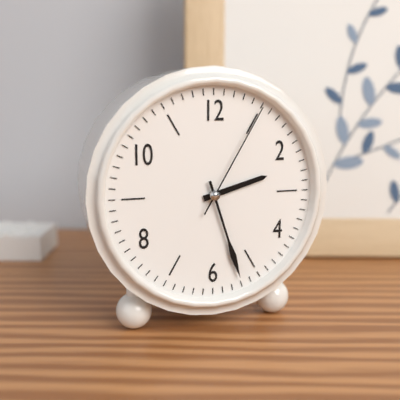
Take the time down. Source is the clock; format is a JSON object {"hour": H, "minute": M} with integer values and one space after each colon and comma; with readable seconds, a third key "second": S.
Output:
{"hour": 2, "minute": 27, "second": 5}
